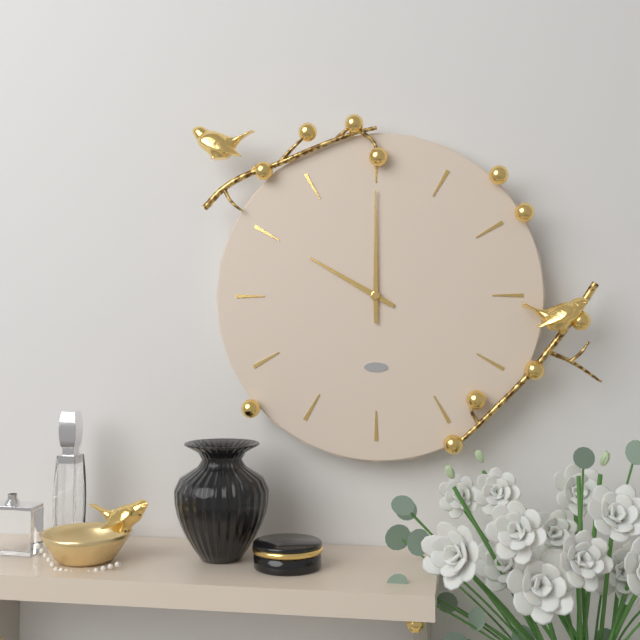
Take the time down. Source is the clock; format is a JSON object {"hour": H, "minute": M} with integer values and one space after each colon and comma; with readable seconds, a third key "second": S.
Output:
{"hour": 10, "minute": 0}
